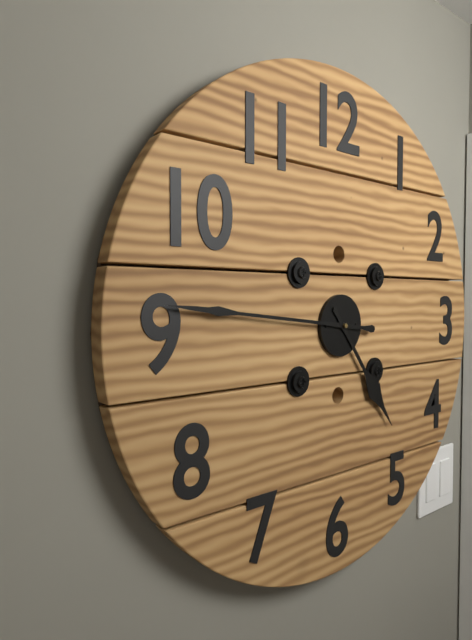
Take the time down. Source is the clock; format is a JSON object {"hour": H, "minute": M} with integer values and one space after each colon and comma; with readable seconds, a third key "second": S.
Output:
{"hour": 4, "minute": 46}
